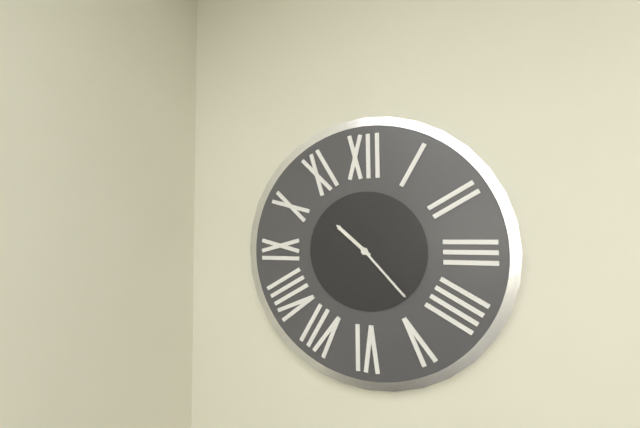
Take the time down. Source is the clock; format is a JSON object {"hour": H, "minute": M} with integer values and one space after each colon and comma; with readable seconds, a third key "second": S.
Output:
{"hour": 10, "minute": 23}
